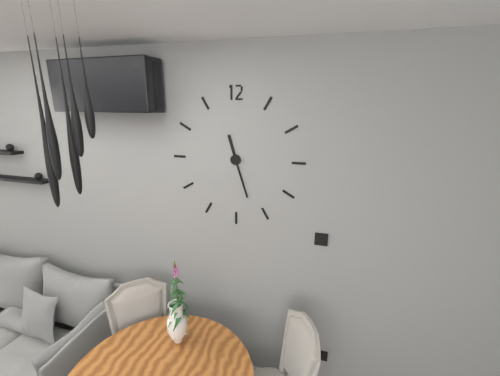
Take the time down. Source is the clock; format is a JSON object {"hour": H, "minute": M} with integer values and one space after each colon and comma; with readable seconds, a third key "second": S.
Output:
{"hour": 11, "minute": 27}
